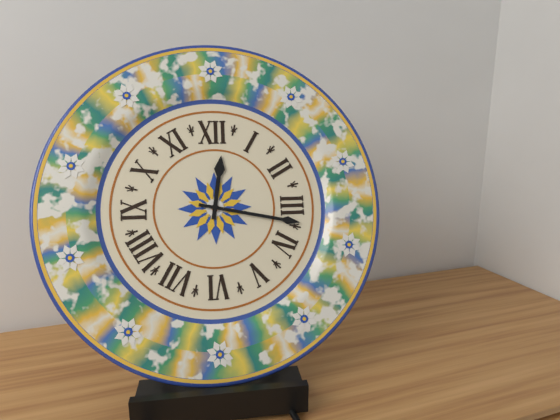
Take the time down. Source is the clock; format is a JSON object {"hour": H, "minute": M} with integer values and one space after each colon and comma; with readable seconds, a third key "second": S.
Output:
{"hour": 12, "minute": 17}
